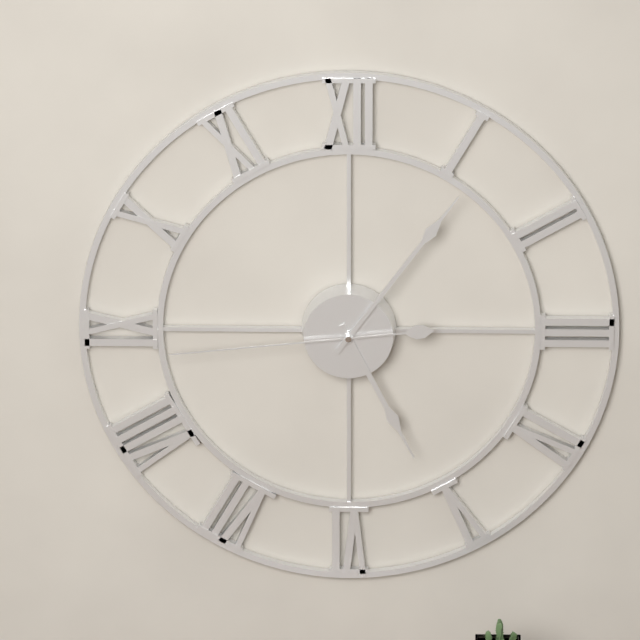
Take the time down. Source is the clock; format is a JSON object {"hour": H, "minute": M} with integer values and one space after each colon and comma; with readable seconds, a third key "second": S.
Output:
{"hour": 5, "minute": 6, "second": 44}
